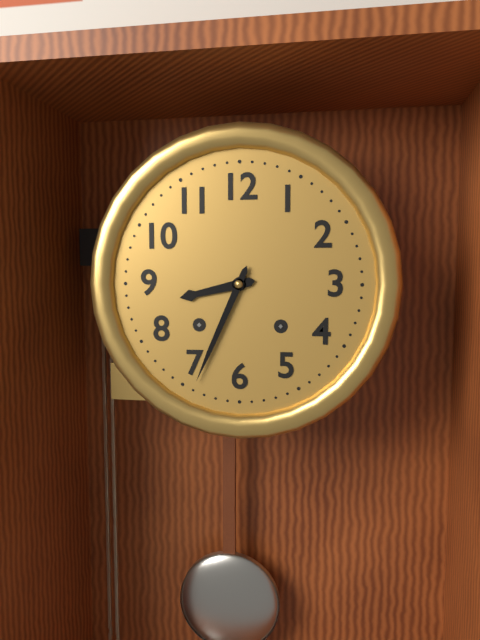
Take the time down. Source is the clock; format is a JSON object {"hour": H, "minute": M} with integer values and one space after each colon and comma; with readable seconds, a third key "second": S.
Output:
{"hour": 8, "minute": 34}
